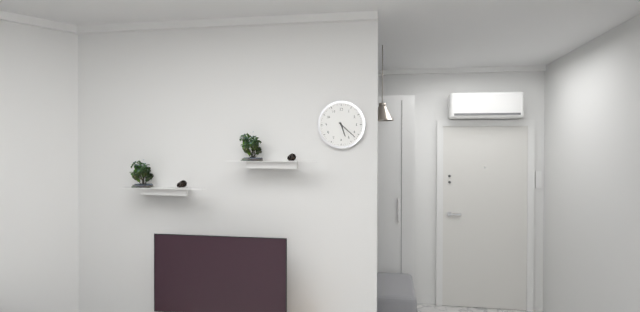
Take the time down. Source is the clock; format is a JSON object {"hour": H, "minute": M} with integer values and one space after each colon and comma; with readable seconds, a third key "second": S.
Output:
{"hour": 5, "minute": 22}
